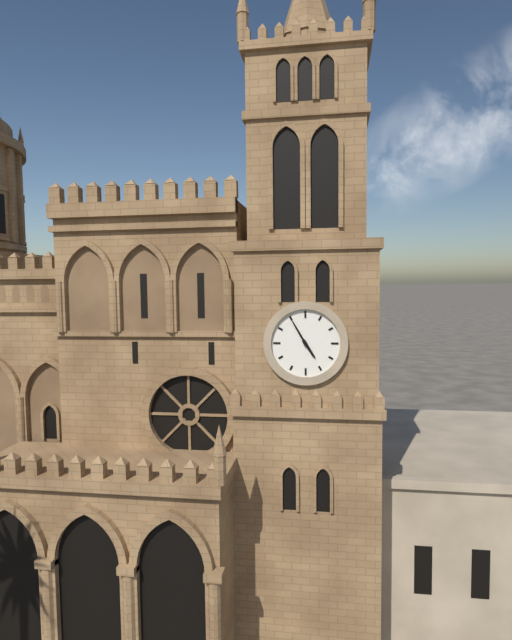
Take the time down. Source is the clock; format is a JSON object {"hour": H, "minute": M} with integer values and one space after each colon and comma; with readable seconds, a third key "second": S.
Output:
{"hour": 4, "minute": 55}
